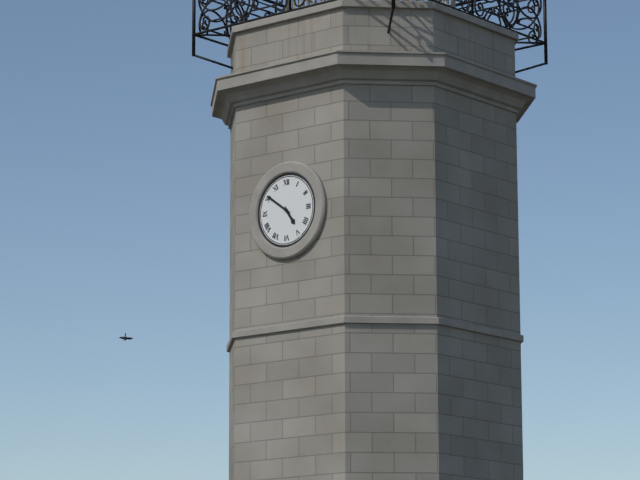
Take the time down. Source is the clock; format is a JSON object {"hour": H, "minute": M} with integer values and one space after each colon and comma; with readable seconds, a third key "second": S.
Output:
{"hour": 4, "minute": 51}
